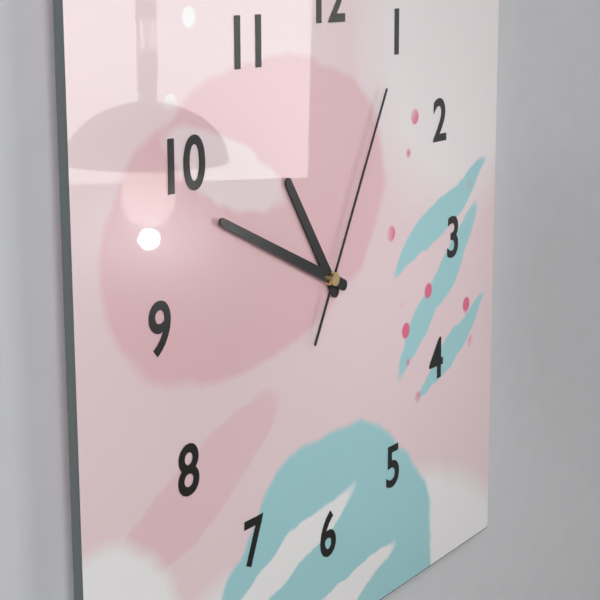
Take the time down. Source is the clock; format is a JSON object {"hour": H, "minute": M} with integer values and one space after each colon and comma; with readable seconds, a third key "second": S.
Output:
{"hour": 10, "minute": 49, "second": 5}
